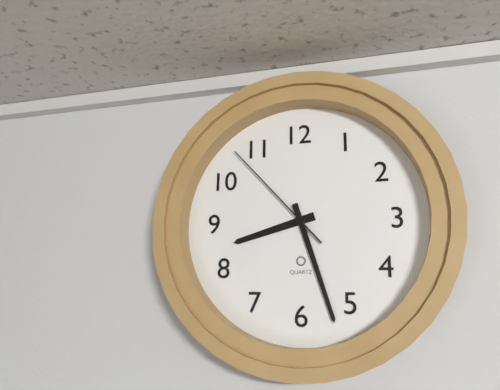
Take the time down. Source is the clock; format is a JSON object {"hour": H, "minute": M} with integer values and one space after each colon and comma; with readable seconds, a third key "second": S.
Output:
{"hour": 8, "minute": 27, "second": 53}
